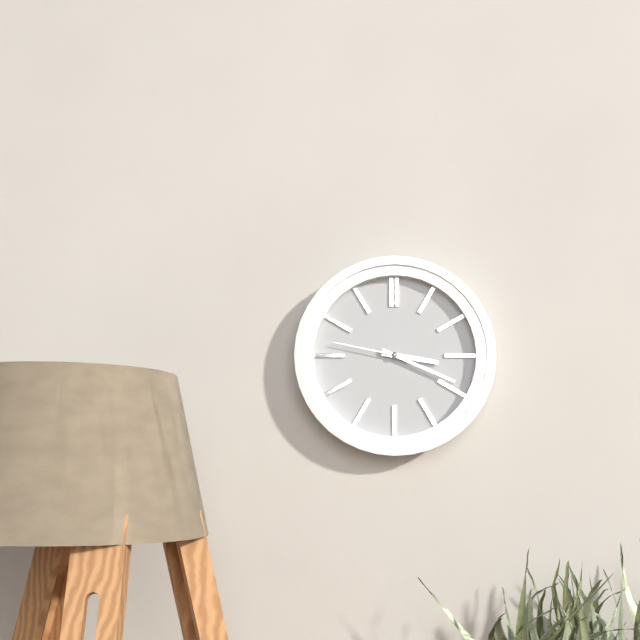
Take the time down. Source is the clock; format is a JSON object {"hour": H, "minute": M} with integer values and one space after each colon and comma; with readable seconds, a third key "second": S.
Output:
{"hour": 3, "minute": 19, "second": 47}
